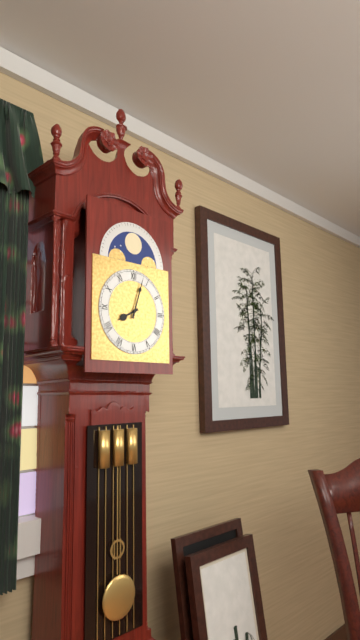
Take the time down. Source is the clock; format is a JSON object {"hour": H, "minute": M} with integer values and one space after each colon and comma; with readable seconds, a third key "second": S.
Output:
{"hour": 8, "minute": 3}
